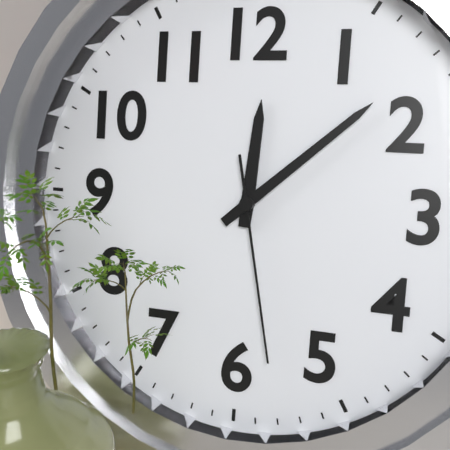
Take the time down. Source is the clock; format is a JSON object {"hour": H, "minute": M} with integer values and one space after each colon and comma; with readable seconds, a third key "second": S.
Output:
{"hour": 12, "minute": 8, "second": 28}
